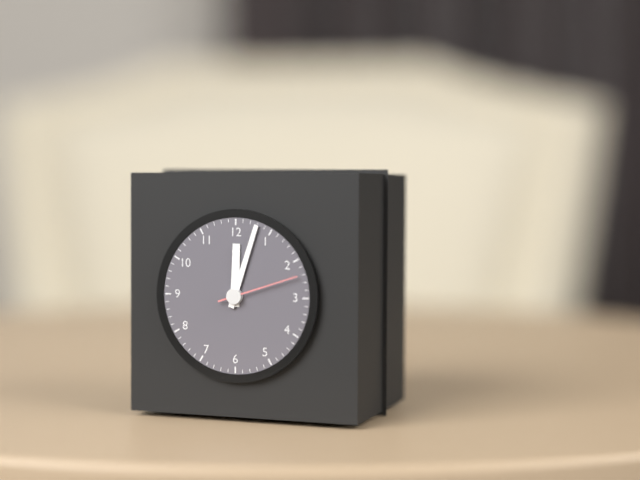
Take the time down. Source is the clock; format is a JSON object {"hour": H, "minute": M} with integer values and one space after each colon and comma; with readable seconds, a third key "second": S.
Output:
{"hour": 12, "minute": 3, "second": 12}
